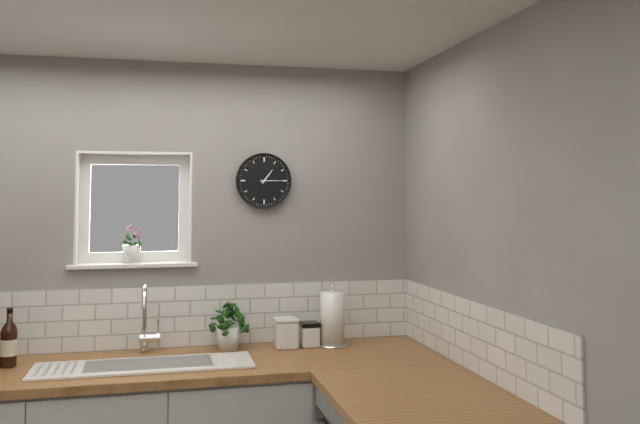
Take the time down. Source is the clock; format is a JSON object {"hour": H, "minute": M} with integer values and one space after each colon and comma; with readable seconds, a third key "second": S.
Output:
{"hour": 1, "minute": 15}
